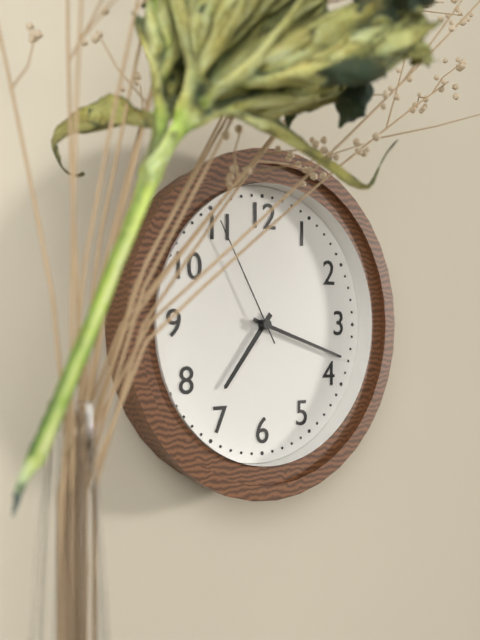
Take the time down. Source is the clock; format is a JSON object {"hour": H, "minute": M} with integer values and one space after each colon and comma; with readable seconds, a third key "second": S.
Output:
{"hour": 7, "minute": 18, "second": 55}
